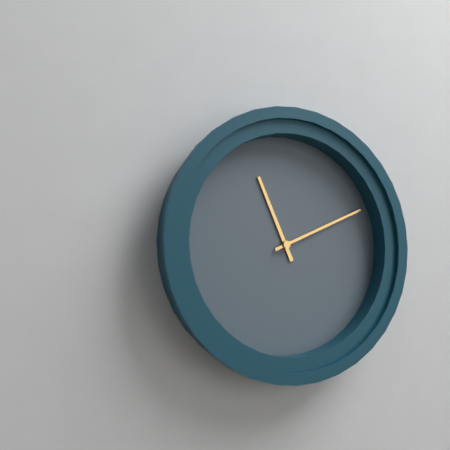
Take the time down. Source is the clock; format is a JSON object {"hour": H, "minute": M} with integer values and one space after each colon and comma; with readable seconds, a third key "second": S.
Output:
{"hour": 11, "minute": 11}
